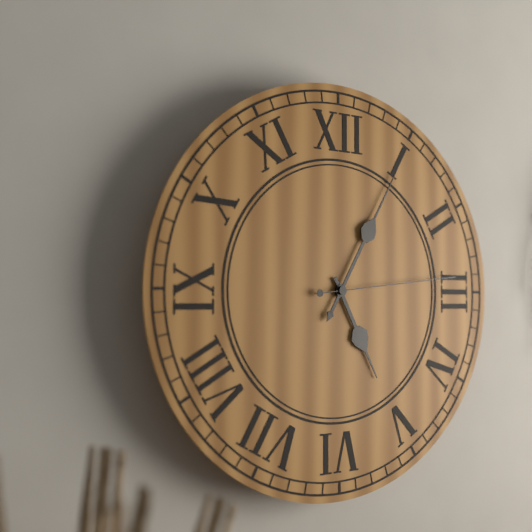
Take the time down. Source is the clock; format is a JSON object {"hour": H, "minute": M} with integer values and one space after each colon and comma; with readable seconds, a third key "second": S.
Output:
{"hour": 5, "minute": 5, "second": 14}
